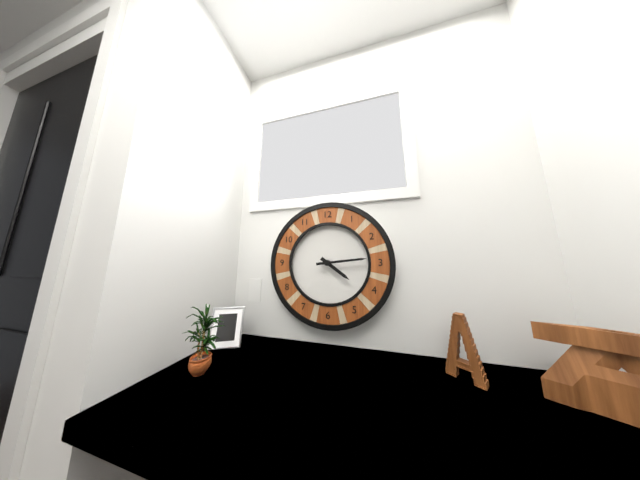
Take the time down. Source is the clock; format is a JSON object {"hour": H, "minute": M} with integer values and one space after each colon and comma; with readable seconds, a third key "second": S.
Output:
{"hour": 4, "minute": 14}
